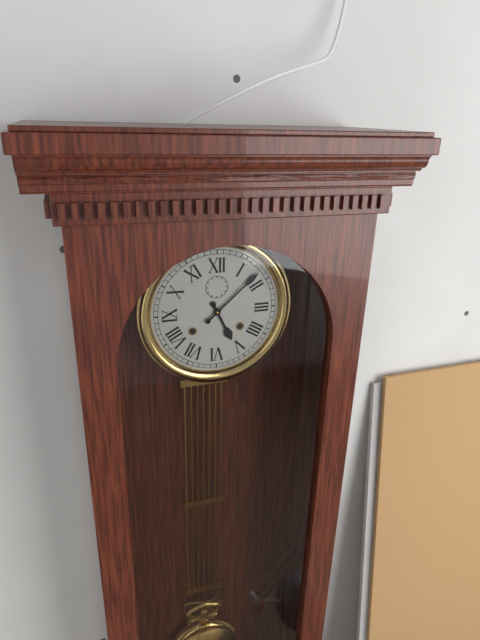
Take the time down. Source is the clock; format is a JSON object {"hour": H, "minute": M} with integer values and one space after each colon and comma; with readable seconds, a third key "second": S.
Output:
{"hour": 5, "minute": 8}
